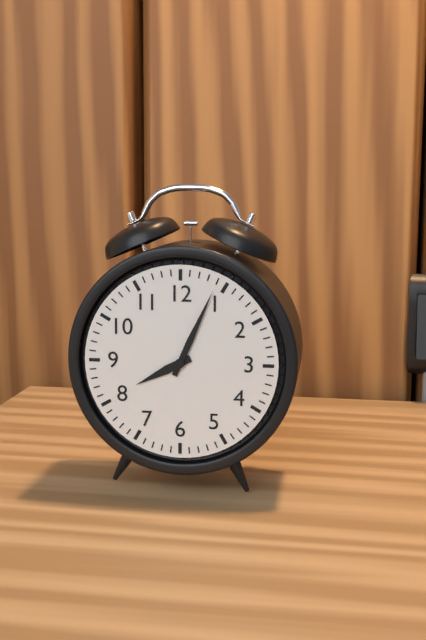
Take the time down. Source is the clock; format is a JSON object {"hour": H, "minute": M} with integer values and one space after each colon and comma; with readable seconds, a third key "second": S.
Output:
{"hour": 8, "minute": 4}
